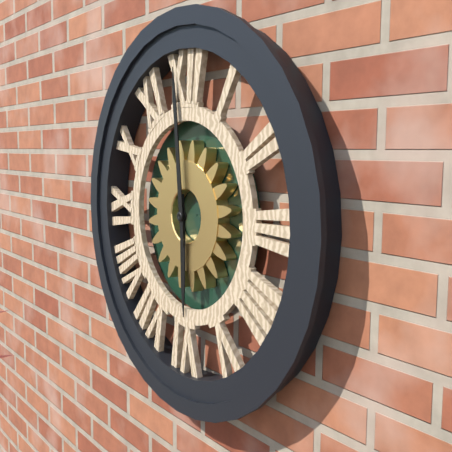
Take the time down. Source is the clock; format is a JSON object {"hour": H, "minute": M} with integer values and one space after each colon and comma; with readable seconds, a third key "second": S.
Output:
{"hour": 5, "minute": 59}
